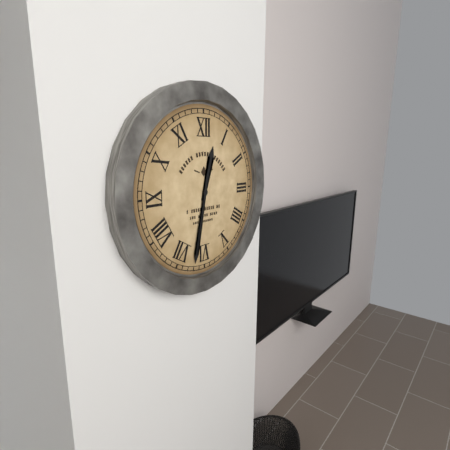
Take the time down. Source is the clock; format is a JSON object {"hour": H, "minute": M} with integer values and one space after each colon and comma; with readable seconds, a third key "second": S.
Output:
{"hour": 12, "minute": 32}
